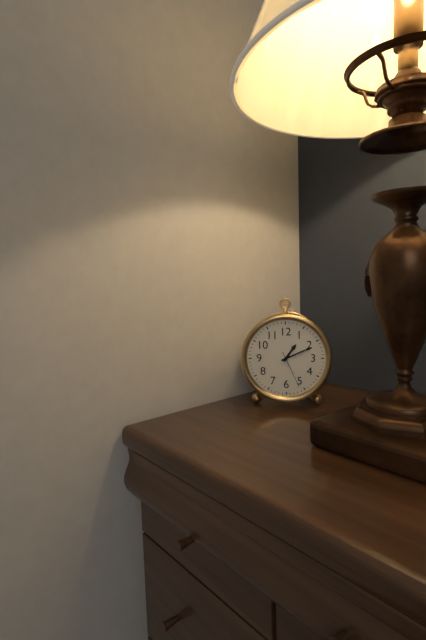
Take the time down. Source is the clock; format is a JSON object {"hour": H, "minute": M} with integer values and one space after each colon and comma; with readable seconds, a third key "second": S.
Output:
{"hour": 1, "minute": 11}
